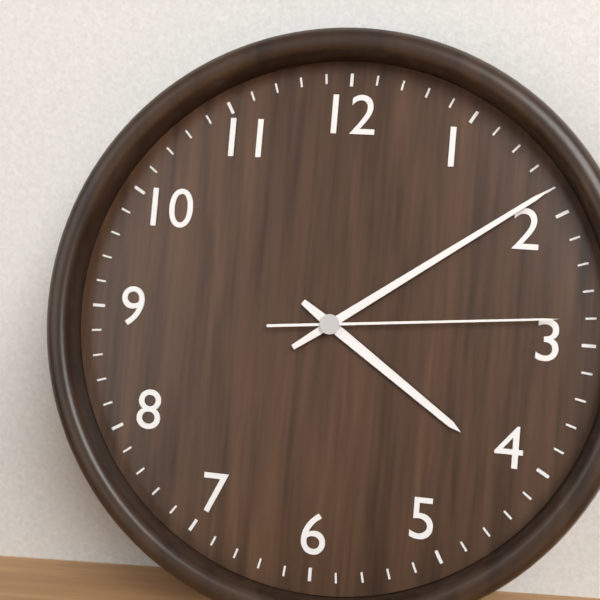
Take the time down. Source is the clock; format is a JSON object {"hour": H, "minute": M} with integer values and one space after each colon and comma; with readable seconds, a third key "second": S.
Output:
{"hour": 4, "minute": 9, "second": 14}
